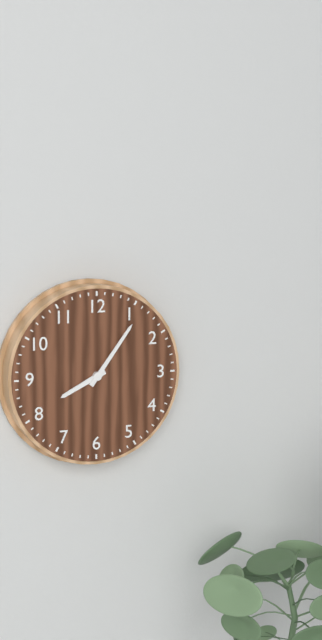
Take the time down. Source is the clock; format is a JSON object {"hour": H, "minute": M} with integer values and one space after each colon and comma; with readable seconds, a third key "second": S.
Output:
{"hour": 8, "minute": 6}
